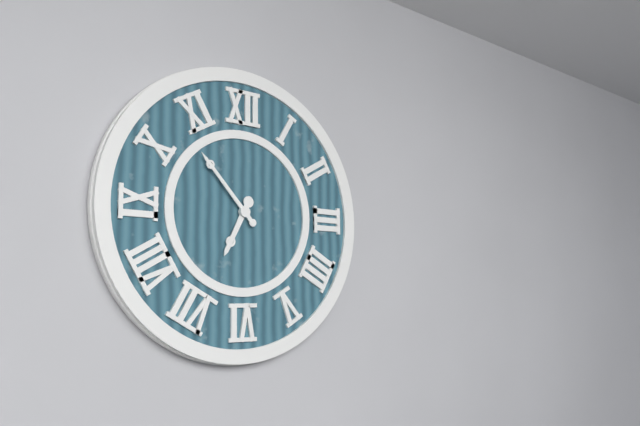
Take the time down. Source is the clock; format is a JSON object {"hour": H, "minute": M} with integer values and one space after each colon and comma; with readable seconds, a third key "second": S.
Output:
{"hour": 6, "minute": 53}
